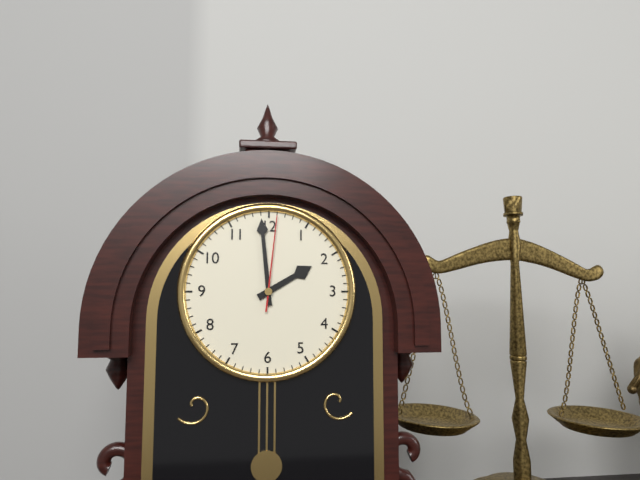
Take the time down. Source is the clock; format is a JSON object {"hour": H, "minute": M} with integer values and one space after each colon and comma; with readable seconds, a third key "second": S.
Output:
{"hour": 1, "minute": 59, "second": 1}
